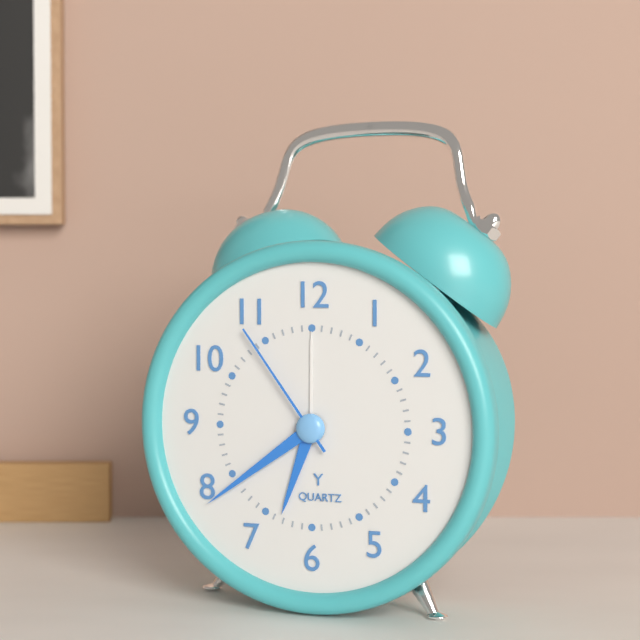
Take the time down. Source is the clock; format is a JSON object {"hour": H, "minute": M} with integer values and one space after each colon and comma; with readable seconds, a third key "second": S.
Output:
{"hour": 6, "minute": 39, "second": 54}
